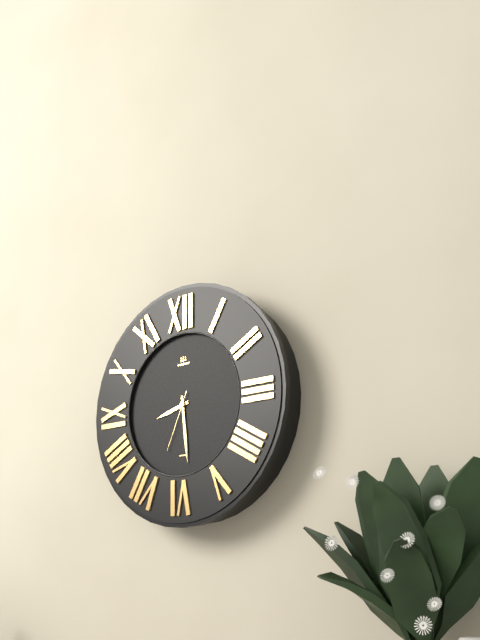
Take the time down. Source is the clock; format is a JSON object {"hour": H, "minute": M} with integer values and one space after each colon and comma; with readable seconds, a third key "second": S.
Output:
{"hour": 8, "minute": 29, "second": 34}
